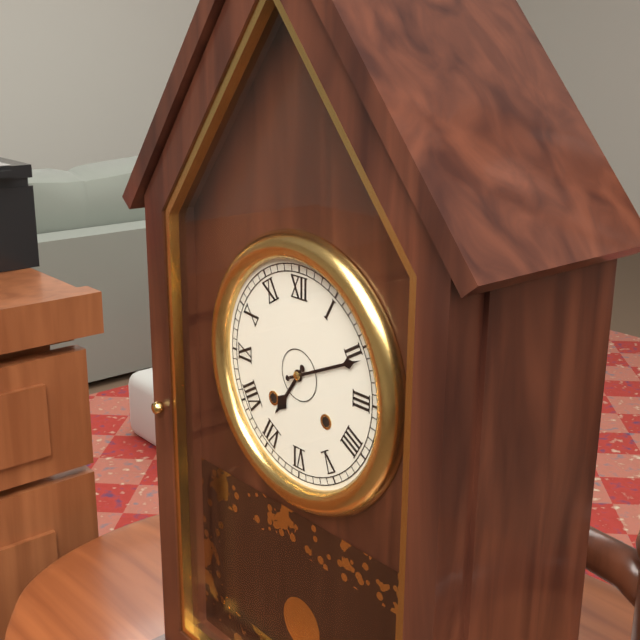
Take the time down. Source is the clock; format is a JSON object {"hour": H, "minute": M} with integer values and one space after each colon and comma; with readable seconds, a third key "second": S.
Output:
{"hour": 7, "minute": 11}
